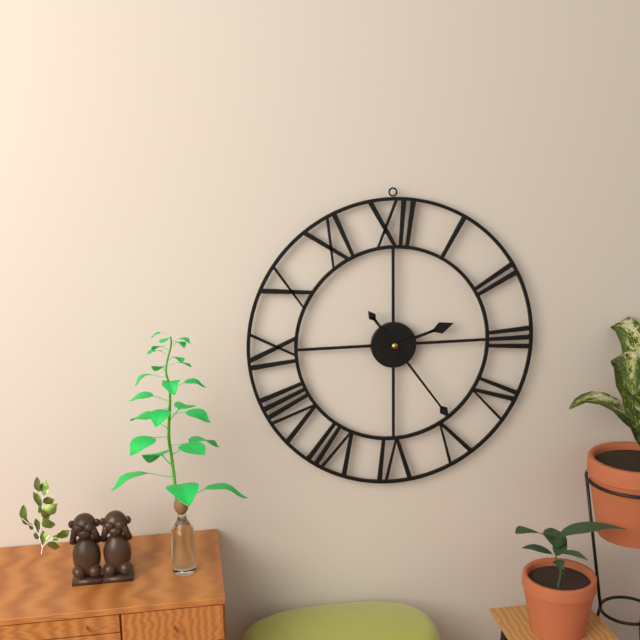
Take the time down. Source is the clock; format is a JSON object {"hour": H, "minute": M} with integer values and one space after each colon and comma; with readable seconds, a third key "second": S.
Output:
{"hour": 2, "minute": 24}
